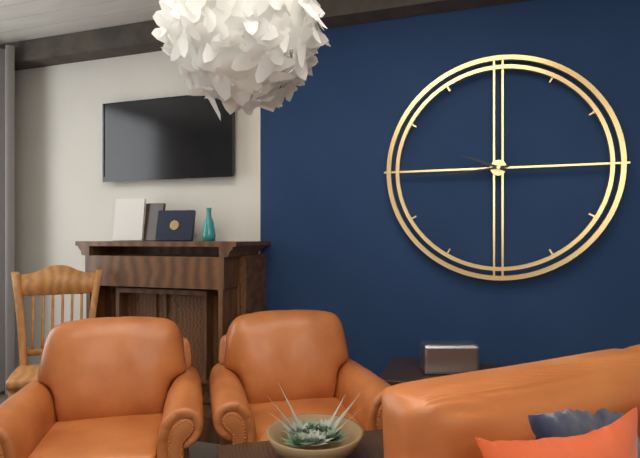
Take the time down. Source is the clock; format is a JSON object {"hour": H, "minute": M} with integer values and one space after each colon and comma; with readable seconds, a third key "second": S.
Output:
{"hour": 9, "minute": 44}
